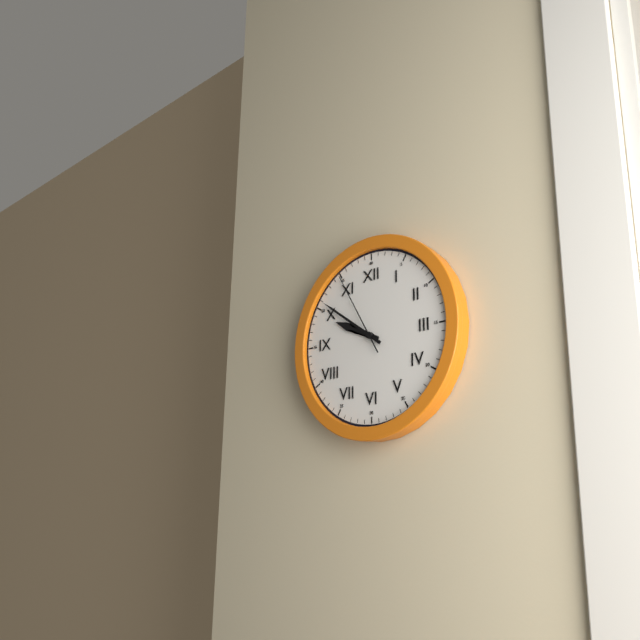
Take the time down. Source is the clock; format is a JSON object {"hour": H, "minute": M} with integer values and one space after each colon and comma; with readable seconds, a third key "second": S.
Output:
{"hour": 9, "minute": 51, "second": 55}
